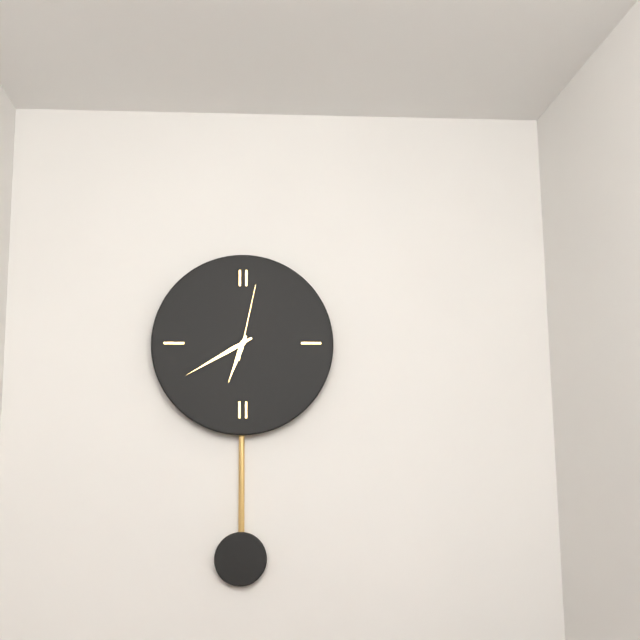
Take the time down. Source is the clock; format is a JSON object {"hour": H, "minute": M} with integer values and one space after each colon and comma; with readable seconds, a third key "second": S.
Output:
{"hour": 6, "minute": 40, "second": 2}
